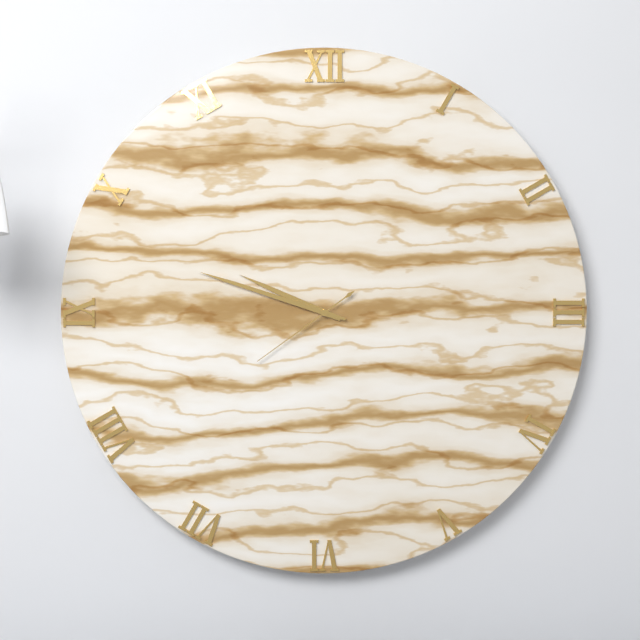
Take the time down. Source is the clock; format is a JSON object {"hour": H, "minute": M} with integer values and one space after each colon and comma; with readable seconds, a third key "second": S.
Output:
{"hour": 9, "minute": 48, "second": 39}
